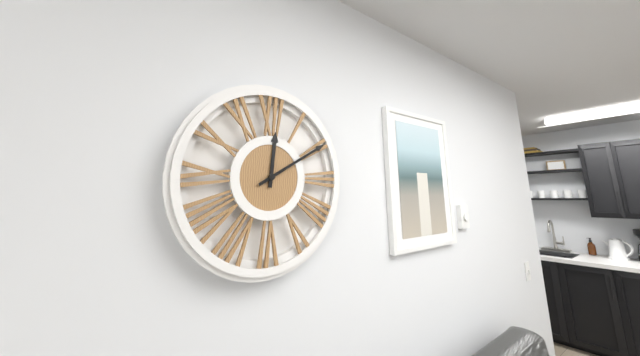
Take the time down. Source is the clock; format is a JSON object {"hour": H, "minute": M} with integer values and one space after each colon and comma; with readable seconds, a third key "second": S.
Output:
{"hour": 12, "minute": 10}
